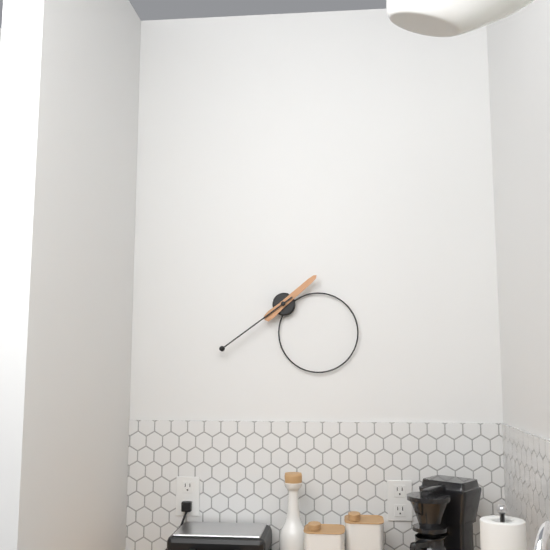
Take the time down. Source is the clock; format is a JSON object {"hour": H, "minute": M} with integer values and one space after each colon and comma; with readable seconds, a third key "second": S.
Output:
{"hour": 1, "minute": 39}
